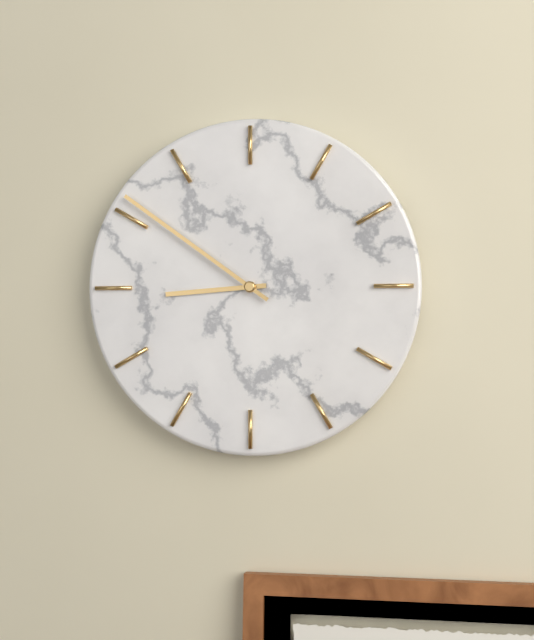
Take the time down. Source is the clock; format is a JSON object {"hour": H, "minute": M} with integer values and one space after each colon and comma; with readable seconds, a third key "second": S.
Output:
{"hour": 8, "minute": 51}
